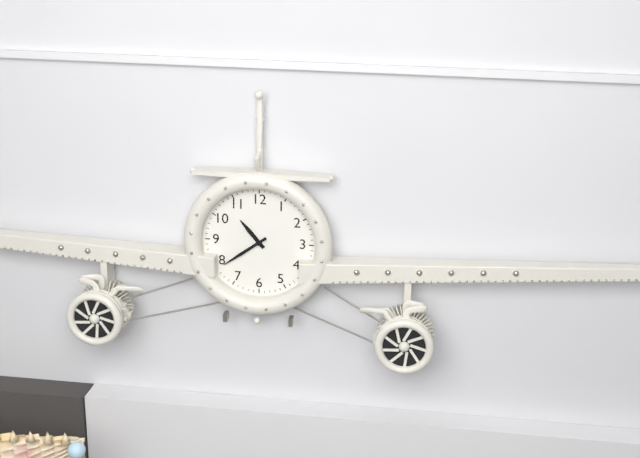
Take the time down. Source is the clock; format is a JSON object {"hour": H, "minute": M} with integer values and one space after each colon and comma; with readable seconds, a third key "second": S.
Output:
{"hour": 10, "minute": 39}
